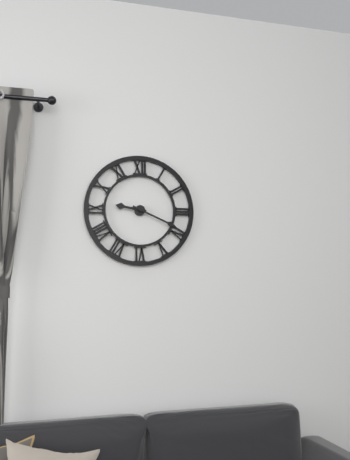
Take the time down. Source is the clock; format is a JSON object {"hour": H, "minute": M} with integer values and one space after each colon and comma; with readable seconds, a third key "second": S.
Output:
{"hour": 9, "minute": 19}
